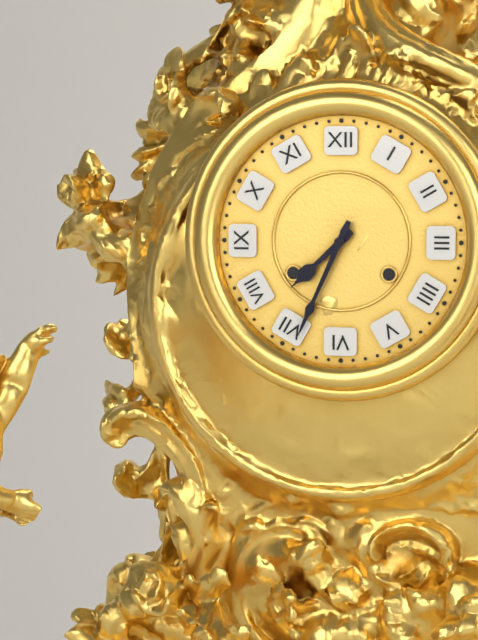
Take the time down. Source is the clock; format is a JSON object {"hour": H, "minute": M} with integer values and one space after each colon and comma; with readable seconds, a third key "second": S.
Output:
{"hour": 7, "minute": 34}
